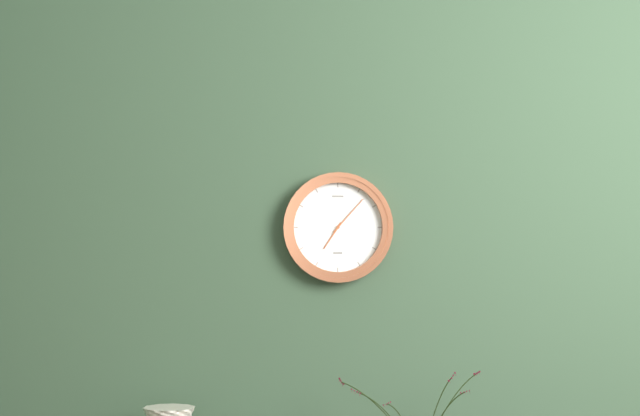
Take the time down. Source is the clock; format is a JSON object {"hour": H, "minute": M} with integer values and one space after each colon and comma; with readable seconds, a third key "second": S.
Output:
{"hour": 7, "minute": 7}
